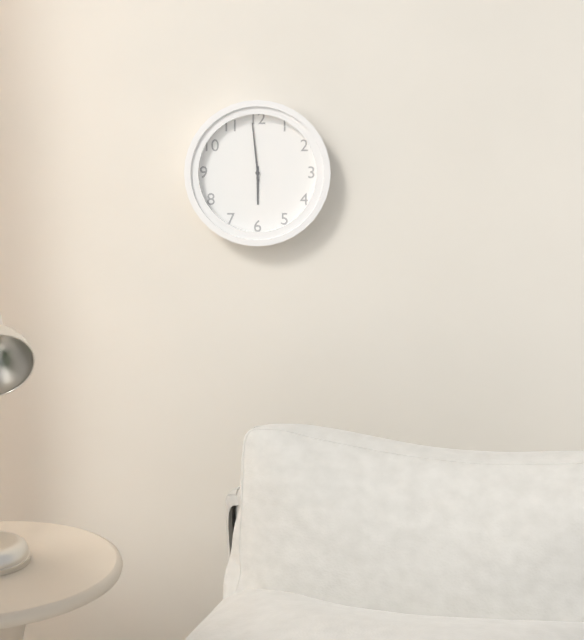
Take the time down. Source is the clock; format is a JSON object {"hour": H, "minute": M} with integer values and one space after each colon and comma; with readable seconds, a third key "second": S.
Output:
{"hour": 5, "minute": 59}
